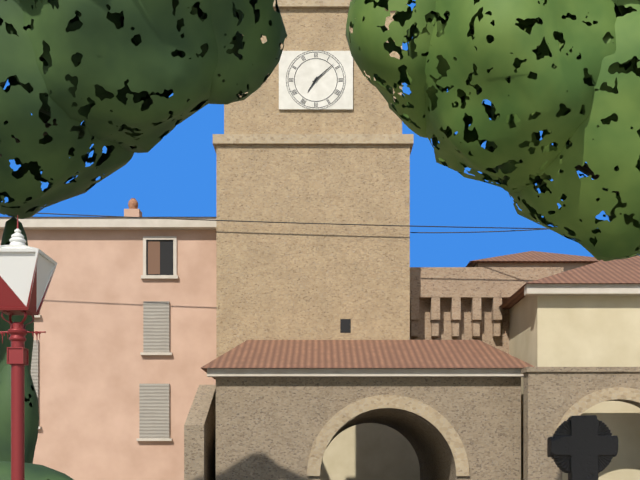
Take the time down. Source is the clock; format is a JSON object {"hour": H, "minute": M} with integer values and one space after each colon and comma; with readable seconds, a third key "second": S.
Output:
{"hour": 7, "minute": 8}
